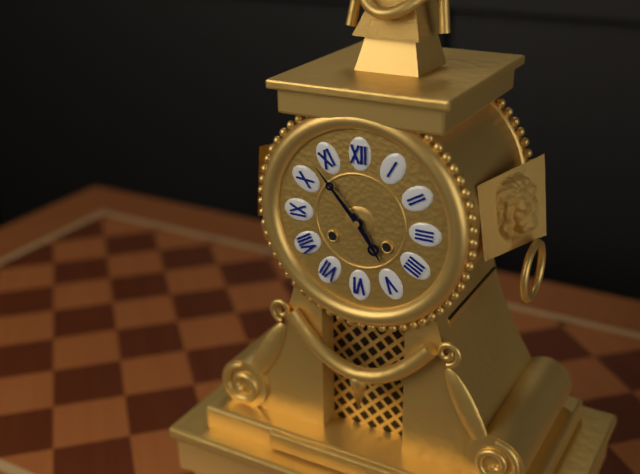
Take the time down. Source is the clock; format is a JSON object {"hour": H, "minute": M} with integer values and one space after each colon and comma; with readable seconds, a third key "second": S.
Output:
{"hour": 4, "minute": 53}
